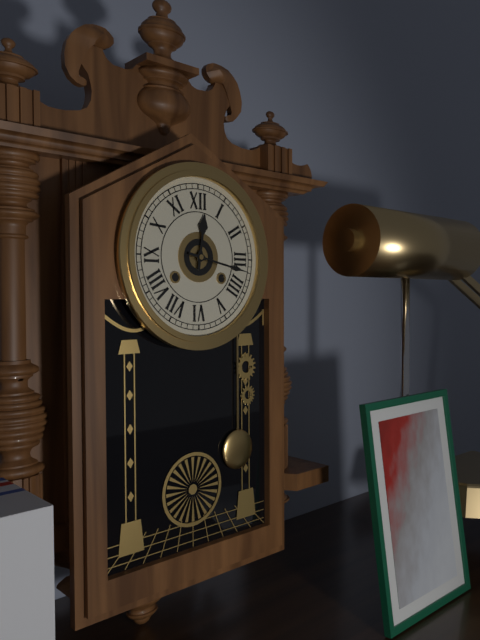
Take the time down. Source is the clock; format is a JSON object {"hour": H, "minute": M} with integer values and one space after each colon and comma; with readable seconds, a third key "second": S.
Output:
{"hour": 12, "minute": 17}
